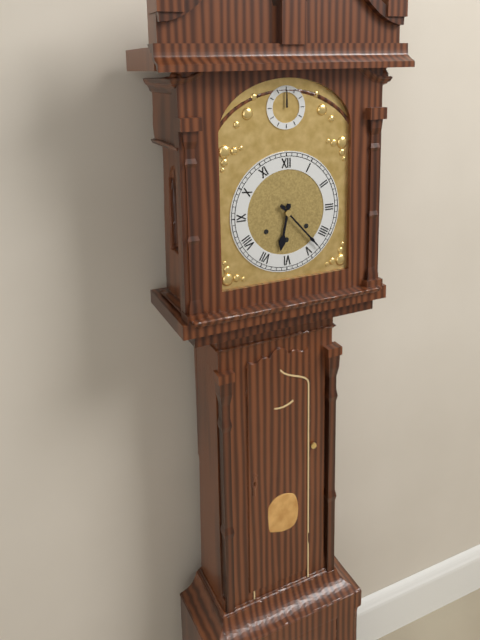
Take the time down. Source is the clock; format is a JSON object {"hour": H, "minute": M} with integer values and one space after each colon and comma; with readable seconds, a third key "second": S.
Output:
{"hour": 6, "minute": 23}
